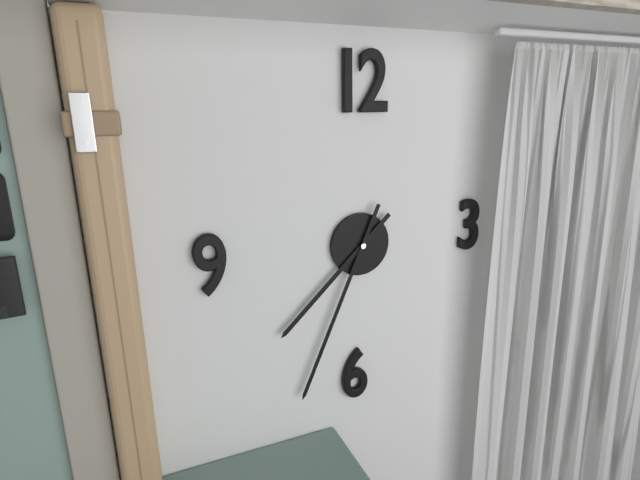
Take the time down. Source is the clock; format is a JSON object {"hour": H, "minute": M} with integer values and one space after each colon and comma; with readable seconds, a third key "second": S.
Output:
{"hour": 7, "minute": 34}
